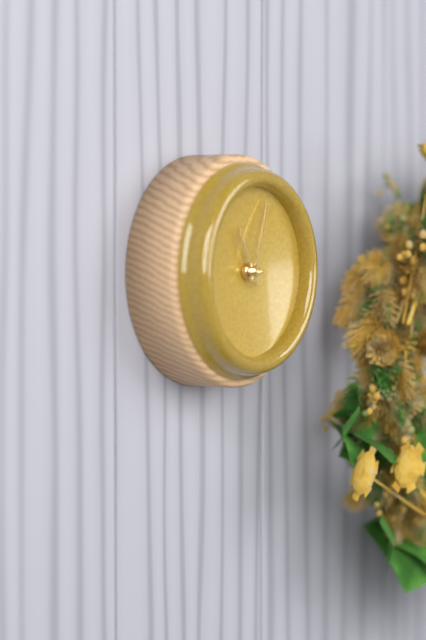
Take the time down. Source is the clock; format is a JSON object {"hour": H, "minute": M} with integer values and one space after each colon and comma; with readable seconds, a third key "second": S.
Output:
{"hour": 11, "minute": 3}
